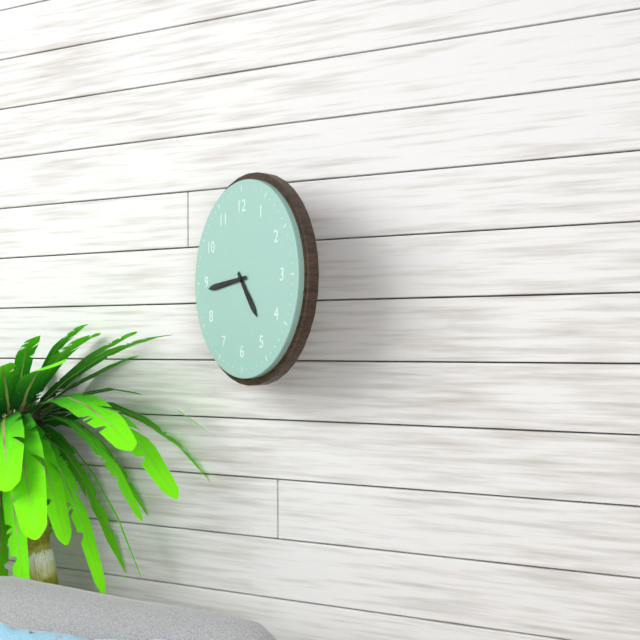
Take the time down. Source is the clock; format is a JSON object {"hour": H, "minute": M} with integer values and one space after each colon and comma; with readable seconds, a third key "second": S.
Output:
{"hour": 4, "minute": 44}
